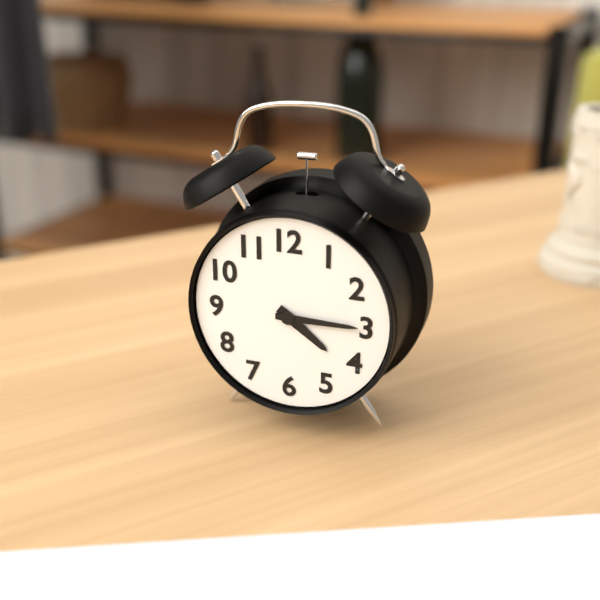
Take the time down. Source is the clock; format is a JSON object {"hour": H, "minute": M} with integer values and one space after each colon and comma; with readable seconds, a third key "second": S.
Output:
{"hour": 4, "minute": 15}
